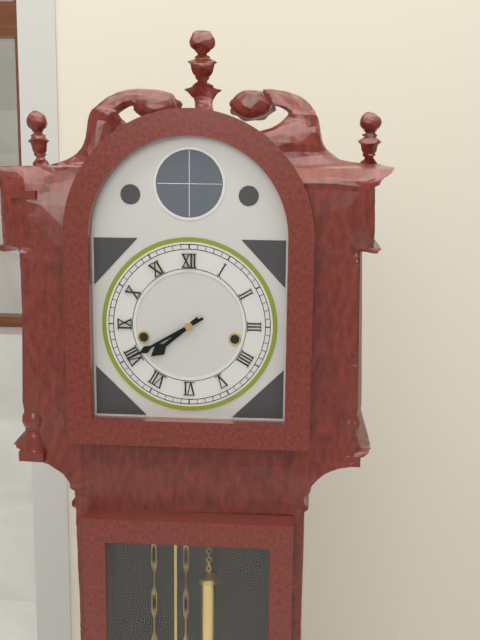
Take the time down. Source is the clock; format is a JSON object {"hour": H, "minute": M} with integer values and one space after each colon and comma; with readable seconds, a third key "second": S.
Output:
{"hour": 7, "minute": 40}
